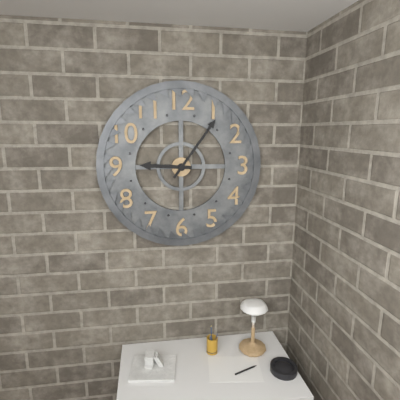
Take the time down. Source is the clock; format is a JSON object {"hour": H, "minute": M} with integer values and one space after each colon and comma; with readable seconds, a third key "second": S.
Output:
{"hour": 9, "minute": 6}
